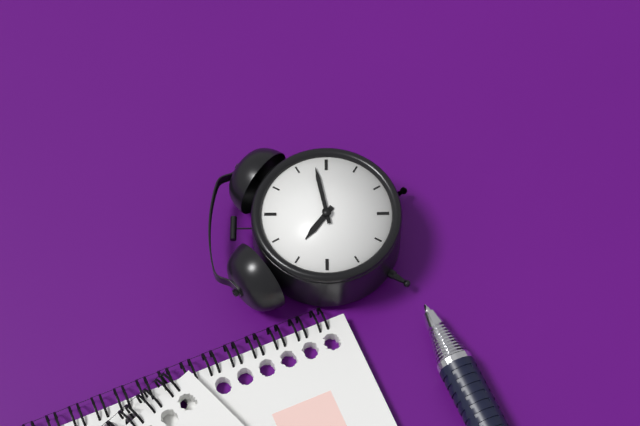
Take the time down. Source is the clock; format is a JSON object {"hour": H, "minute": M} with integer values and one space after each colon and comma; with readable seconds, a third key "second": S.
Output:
{"hour": 10, "minute": 13}
